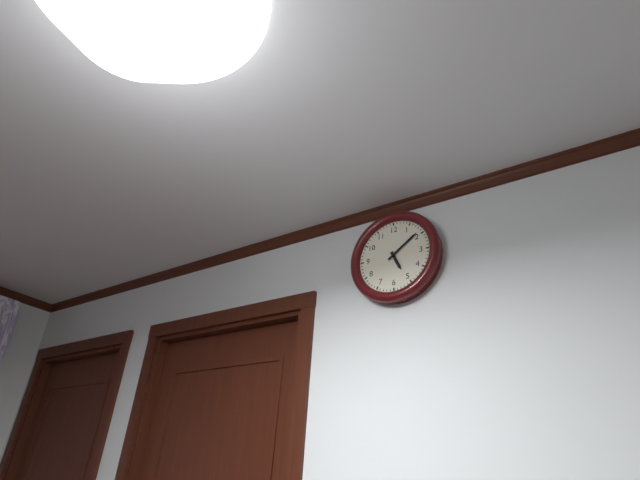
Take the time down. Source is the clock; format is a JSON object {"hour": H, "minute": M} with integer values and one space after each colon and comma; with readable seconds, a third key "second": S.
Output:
{"hour": 5, "minute": 9}
